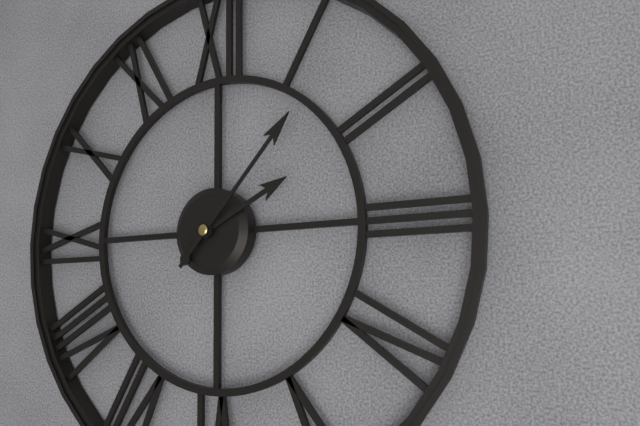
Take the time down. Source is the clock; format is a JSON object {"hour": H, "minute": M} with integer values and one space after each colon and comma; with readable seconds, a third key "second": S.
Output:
{"hour": 2, "minute": 7}
